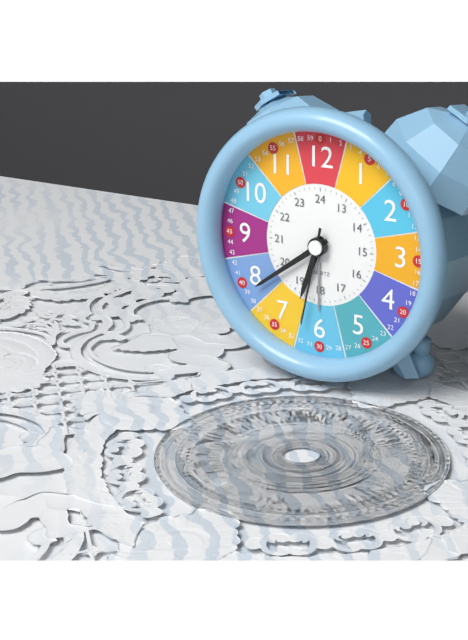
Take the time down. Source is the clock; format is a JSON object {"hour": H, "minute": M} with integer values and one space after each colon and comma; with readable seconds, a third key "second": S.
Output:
{"hour": 6, "minute": 39, "second": 32}
